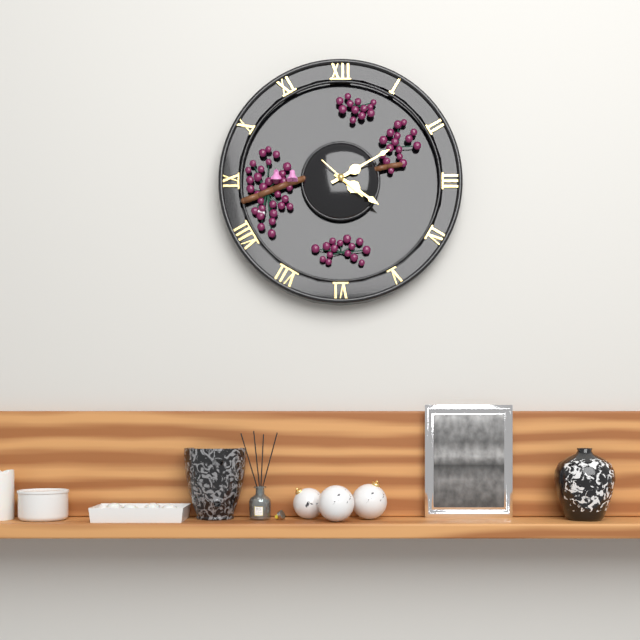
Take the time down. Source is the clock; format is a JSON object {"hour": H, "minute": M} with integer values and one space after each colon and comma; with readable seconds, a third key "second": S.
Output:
{"hour": 4, "minute": 10}
